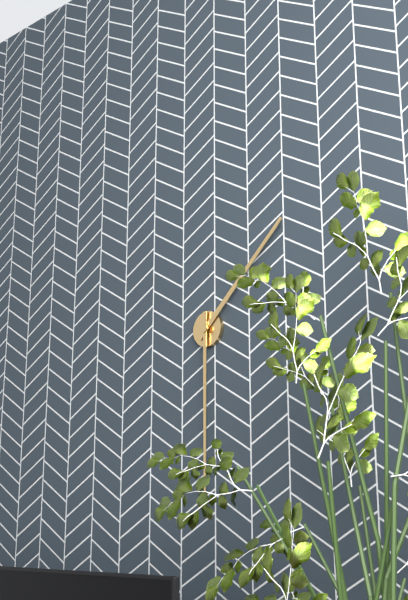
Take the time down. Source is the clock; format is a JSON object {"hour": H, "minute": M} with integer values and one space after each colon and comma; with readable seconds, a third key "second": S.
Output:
{"hour": 1, "minute": 30}
